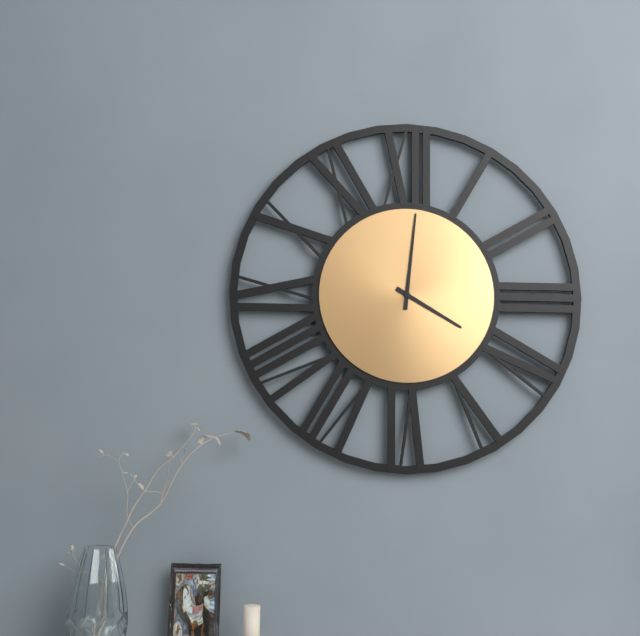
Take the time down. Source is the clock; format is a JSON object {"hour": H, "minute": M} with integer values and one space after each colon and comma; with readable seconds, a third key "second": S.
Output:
{"hour": 4, "minute": 1}
